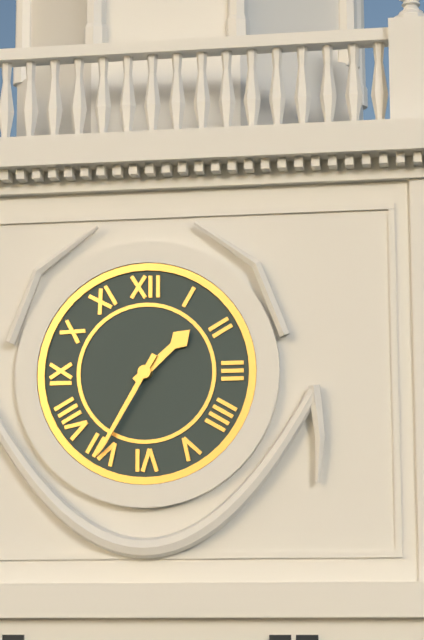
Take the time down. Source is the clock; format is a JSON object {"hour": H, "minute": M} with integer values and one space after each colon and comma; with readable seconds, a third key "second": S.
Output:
{"hour": 1, "minute": 35}
